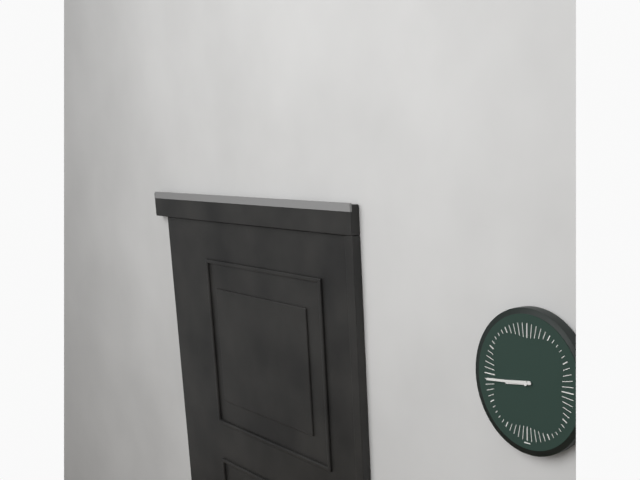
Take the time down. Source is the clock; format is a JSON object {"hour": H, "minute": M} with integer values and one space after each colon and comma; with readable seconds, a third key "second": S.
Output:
{"hour": 8, "minute": 44}
